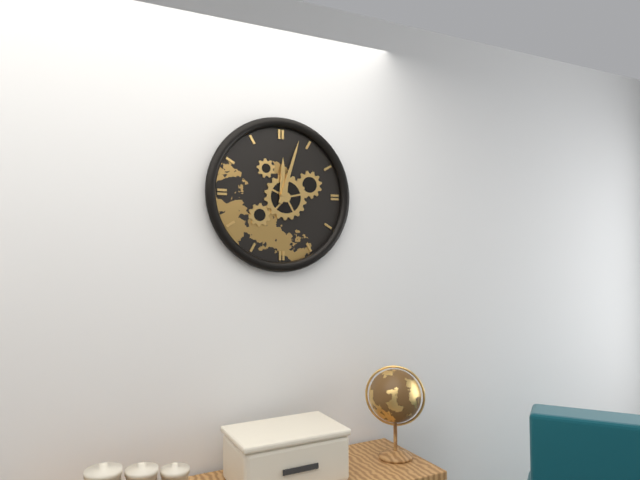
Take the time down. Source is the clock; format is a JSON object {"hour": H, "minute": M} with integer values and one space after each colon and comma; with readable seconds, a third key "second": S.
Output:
{"hour": 12, "minute": 3}
